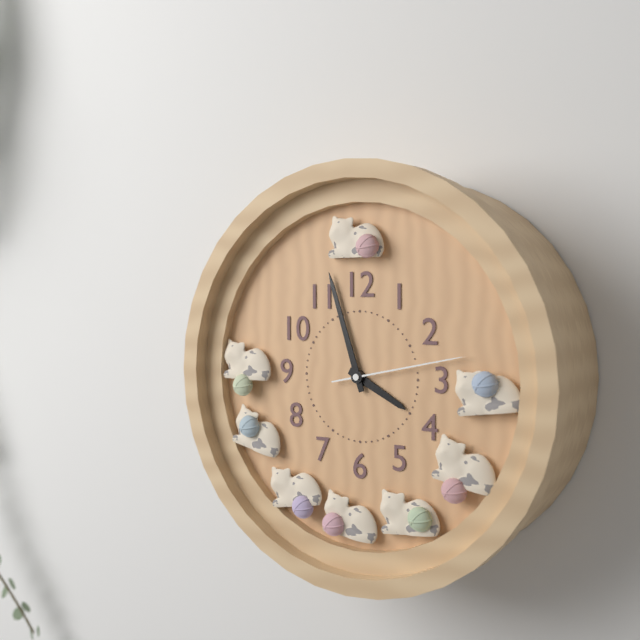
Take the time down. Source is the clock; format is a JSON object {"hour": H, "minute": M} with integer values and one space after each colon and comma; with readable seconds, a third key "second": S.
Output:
{"hour": 3, "minute": 57, "second": 13}
